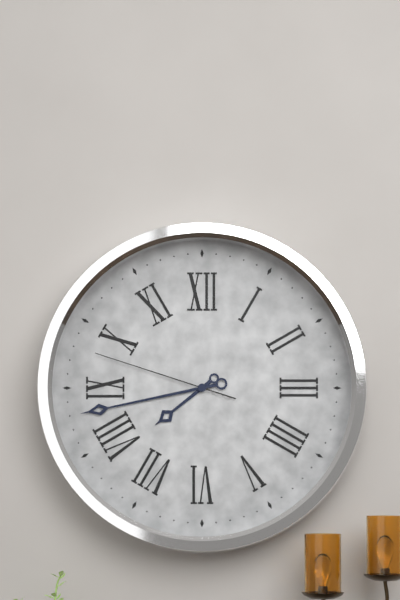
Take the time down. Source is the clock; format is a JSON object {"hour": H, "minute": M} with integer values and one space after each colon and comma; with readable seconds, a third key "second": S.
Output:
{"hour": 7, "minute": 43, "second": 48}
